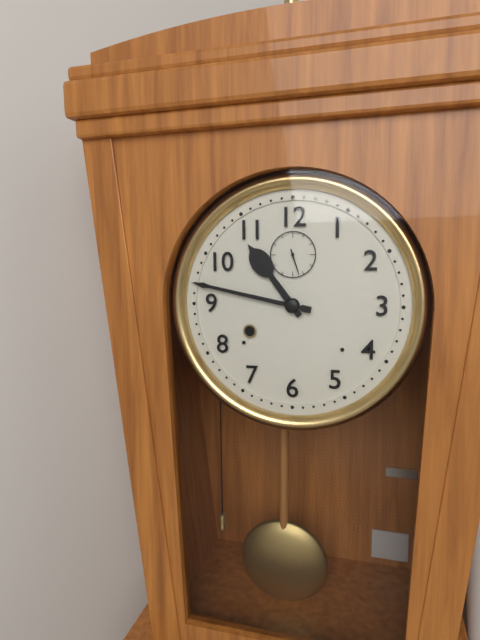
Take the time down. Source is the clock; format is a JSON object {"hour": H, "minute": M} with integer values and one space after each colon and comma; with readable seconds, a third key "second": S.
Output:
{"hour": 10, "minute": 47}
